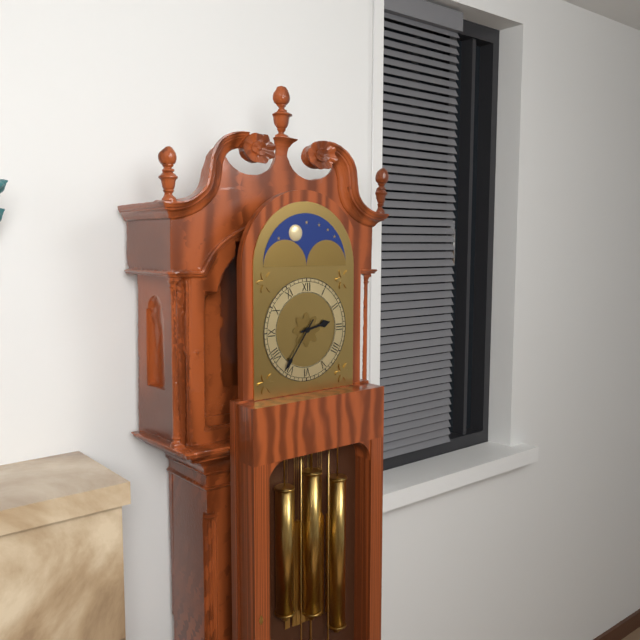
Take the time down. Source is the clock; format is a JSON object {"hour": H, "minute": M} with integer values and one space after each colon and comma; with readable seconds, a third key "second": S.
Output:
{"hour": 2, "minute": 36}
